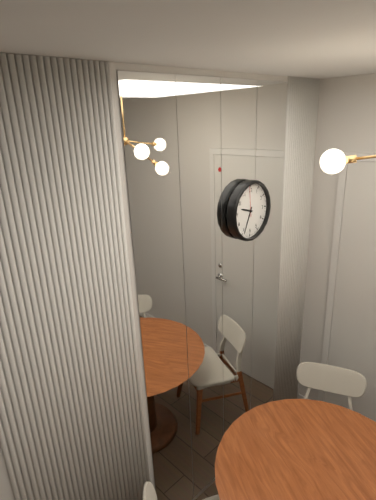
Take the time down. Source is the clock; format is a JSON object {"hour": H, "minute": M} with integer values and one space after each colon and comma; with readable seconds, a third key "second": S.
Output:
{"hour": 9, "minute": 34}
